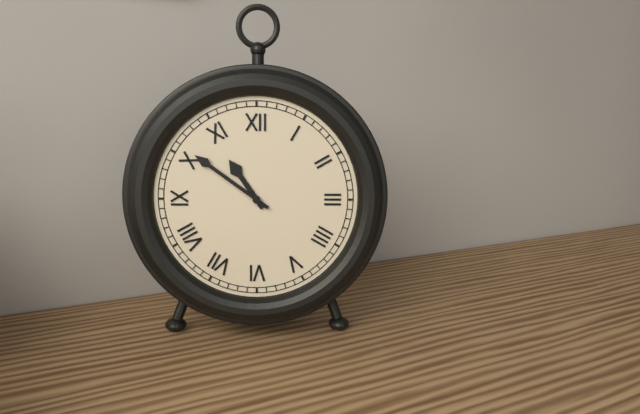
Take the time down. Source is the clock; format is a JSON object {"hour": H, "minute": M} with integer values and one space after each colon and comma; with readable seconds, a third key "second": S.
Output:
{"hour": 10, "minute": 51}
